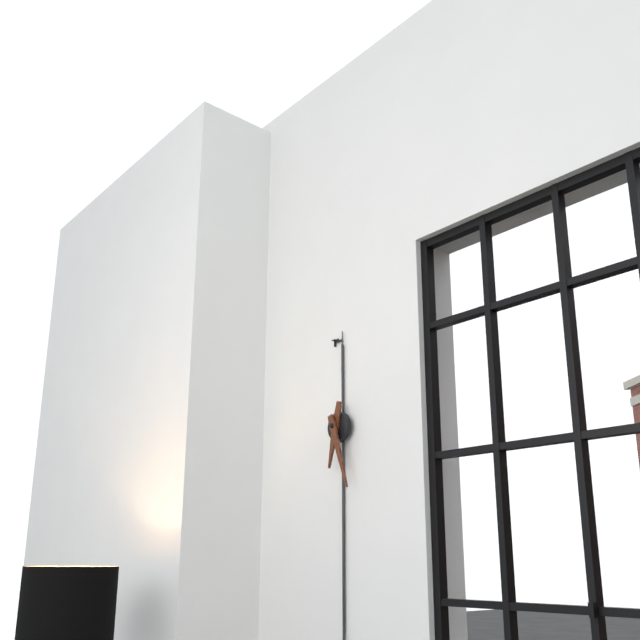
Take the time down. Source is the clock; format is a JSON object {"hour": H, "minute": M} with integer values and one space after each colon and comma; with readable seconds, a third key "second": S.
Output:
{"hour": 6, "minute": 27}
